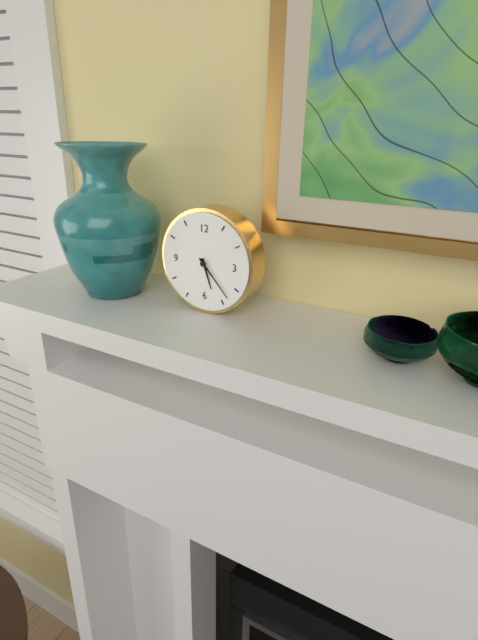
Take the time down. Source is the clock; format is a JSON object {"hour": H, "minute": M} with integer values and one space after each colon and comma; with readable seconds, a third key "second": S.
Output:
{"hour": 5, "minute": 23}
